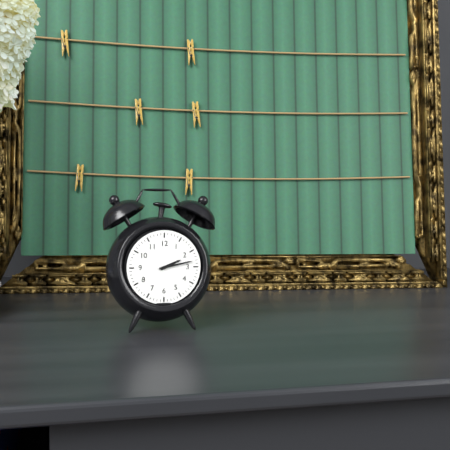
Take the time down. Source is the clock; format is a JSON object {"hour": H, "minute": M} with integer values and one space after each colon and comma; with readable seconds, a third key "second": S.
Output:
{"hour": 2, "minute": 13}
